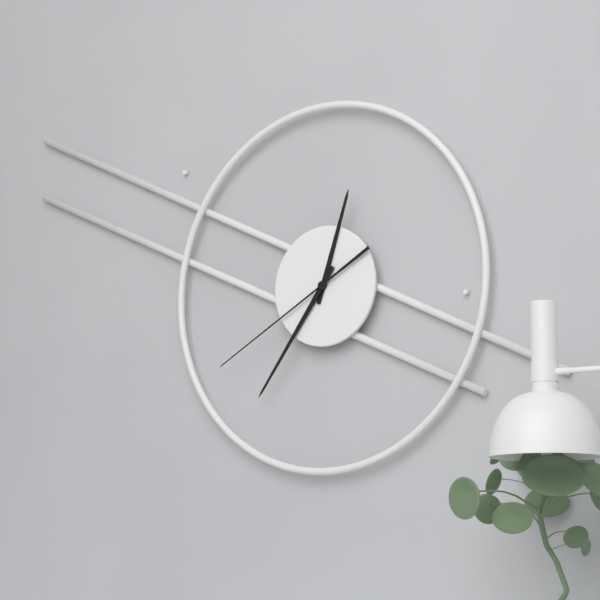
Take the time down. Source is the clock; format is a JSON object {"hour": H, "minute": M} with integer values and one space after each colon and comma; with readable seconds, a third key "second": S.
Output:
{"hour": 12, "minute": 36, "second": 40}
